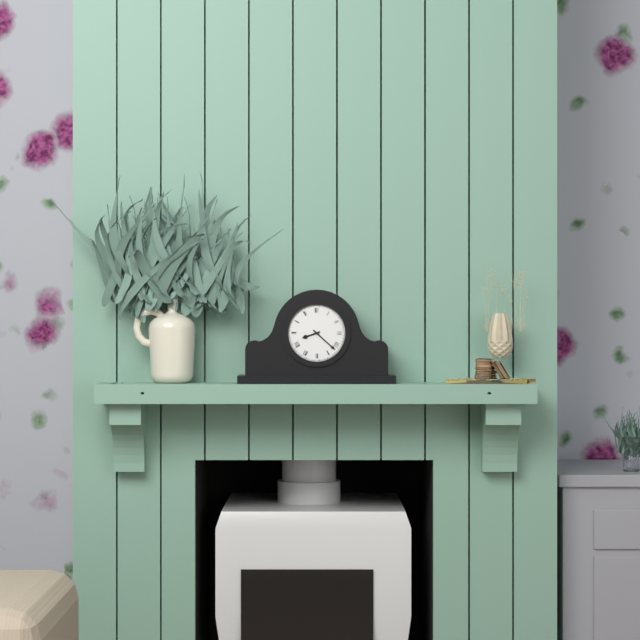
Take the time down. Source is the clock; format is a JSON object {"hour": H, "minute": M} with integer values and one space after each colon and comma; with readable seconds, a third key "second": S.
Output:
{"hour": 8, "minute": 22}
